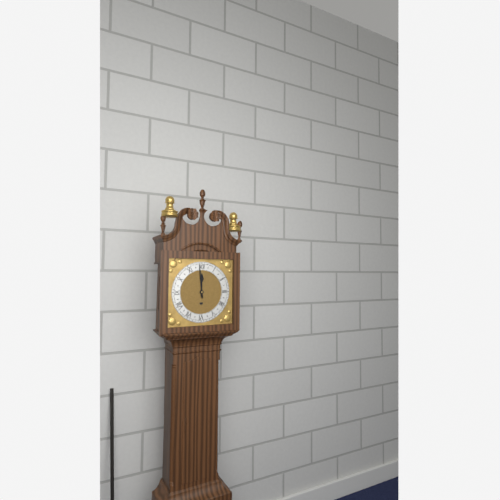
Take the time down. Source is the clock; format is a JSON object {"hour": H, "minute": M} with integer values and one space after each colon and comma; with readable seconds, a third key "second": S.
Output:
{"hour": 11, "minute": 59}
